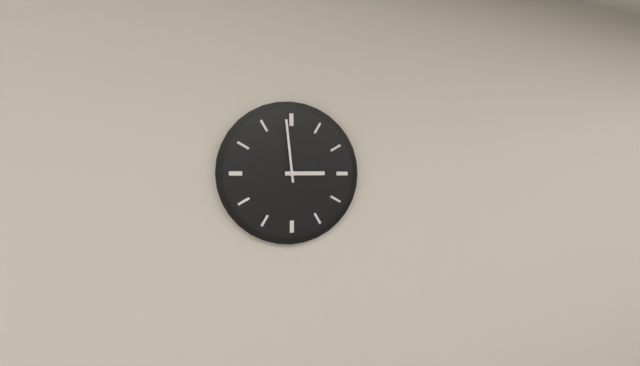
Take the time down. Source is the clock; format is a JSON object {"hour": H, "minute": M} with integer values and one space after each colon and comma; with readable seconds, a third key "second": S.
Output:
{"hour": 2, "minute": 59}
